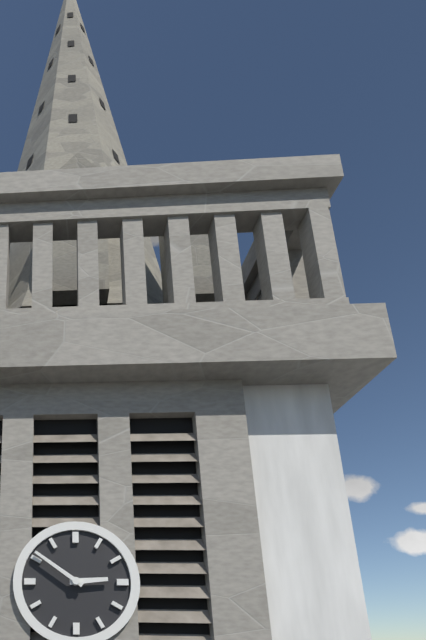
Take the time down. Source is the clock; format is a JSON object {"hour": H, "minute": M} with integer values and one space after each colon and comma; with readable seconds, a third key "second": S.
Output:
{"hour": 2, "minute": 51}
